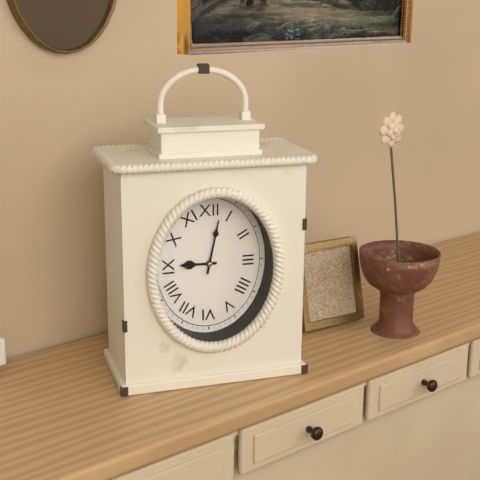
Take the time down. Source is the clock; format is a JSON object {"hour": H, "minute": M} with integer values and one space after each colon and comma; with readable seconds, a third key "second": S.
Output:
{"hour": 9, "minute": 2}
